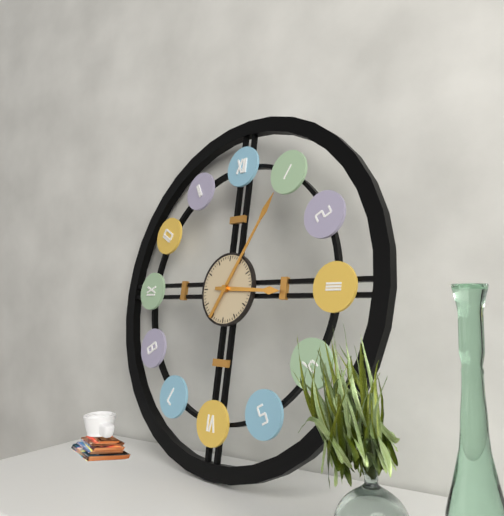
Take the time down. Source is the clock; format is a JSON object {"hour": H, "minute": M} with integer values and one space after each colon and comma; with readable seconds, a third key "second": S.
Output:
{"hour": 3, "minute": 5}
